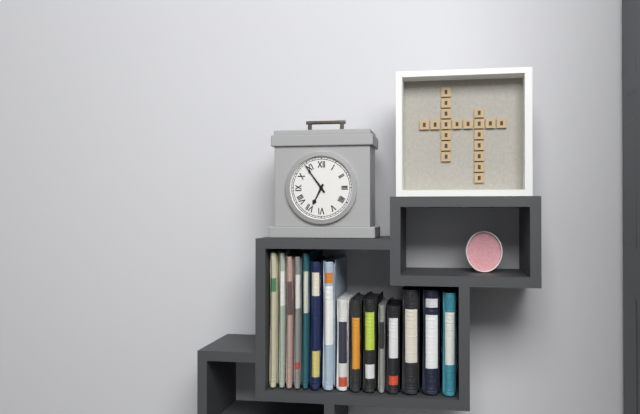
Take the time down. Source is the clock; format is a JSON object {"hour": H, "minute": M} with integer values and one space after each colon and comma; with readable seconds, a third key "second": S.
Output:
{"hour": 6, "minute": 54}
